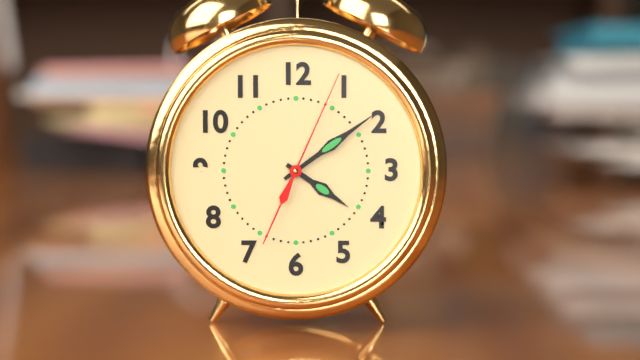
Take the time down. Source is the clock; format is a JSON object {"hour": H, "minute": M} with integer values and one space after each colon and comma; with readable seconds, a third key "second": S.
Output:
{"hour": 4, "minute": 9, "second": 4}
